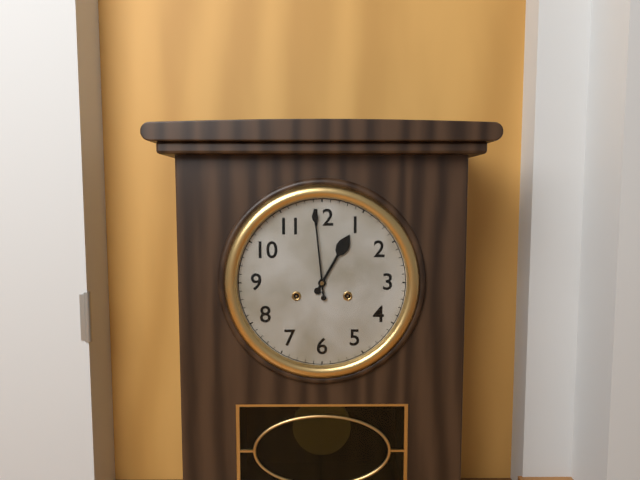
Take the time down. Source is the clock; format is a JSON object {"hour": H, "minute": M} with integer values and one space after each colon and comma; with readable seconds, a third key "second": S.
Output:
{"hour": 12, "minute": 59}
